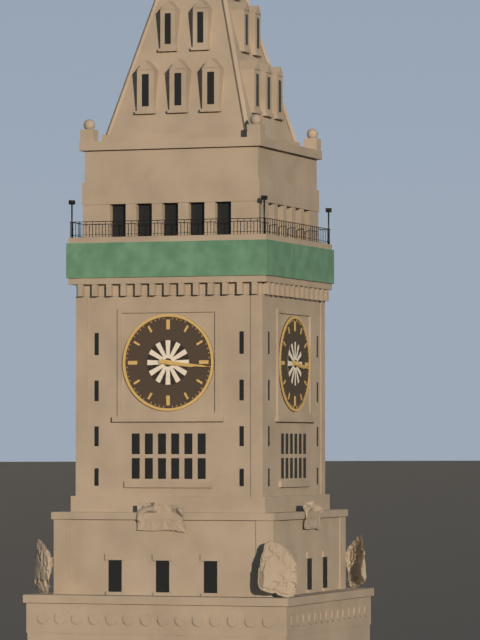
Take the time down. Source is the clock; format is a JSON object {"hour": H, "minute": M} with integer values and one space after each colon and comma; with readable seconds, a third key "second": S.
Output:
{"hour": 3, "minute": 16}
